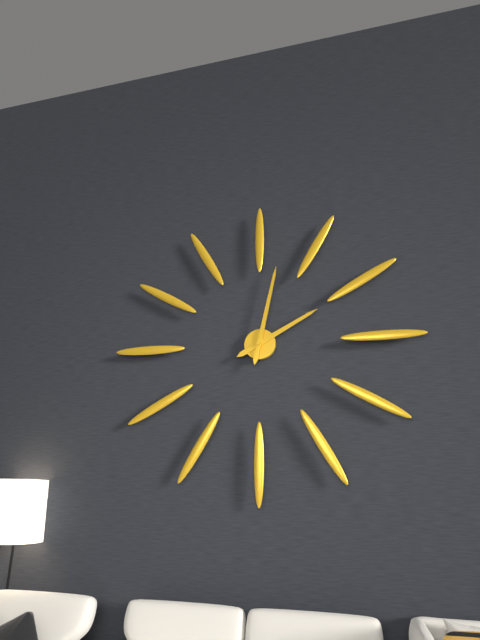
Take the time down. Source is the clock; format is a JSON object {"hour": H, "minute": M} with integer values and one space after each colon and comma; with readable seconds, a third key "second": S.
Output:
{"hour": 2, "minute": 2}
